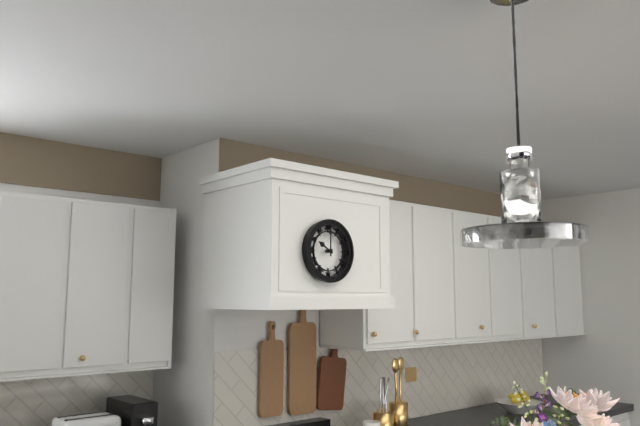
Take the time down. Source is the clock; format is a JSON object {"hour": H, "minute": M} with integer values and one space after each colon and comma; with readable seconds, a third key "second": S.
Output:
{"hour": 10, "minute": 0}
